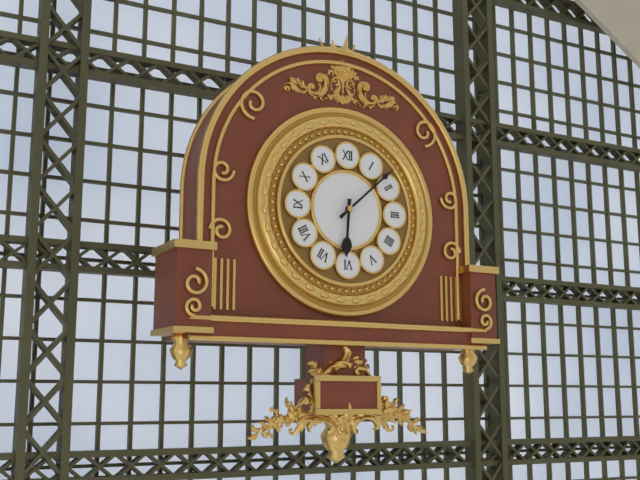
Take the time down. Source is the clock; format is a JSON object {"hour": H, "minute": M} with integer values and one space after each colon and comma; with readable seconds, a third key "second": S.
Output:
{"hour": 6, "minute": 8}
